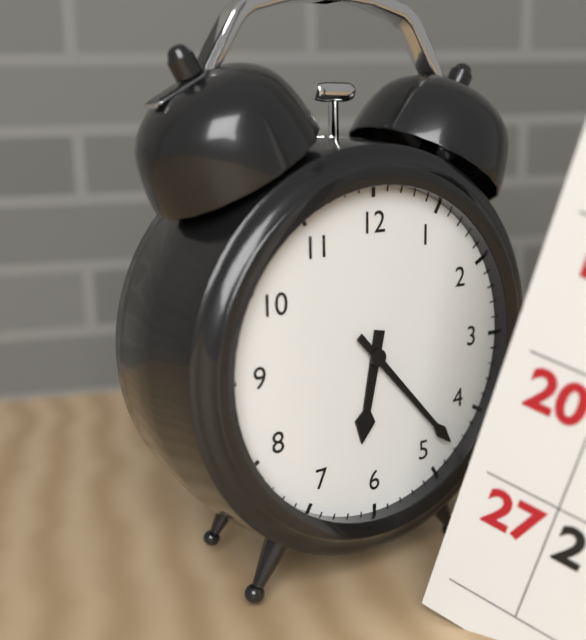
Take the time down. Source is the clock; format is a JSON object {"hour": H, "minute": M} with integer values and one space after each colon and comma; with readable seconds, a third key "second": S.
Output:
{"hour": 6, "minute": 23}
